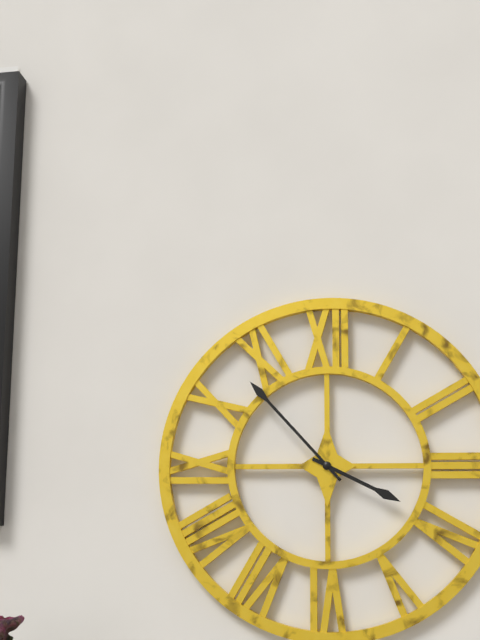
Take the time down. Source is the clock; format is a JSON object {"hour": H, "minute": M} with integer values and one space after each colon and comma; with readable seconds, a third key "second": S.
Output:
{"hour": 3, "minute": 53}
